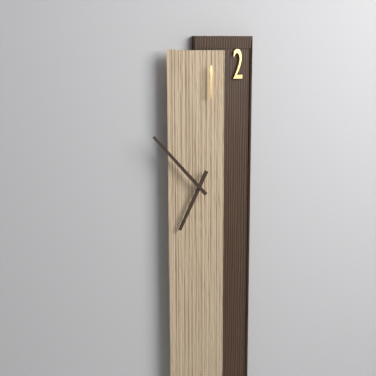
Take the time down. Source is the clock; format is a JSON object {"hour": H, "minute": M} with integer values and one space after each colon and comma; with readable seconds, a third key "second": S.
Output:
{"hour": 6, "minute": 53}
